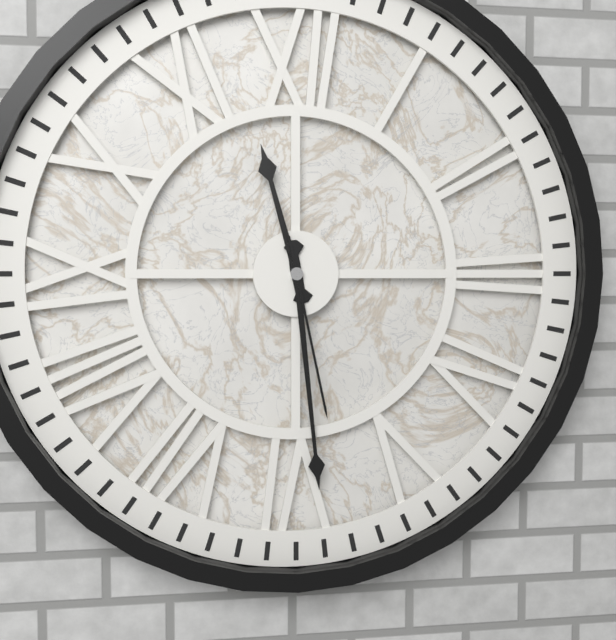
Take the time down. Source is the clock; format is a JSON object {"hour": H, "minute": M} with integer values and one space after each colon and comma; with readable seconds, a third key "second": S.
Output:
{"hour": 11, "minute": 29, "second": 28}
